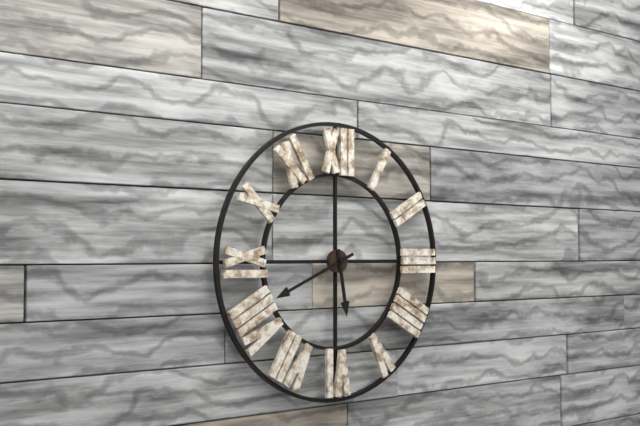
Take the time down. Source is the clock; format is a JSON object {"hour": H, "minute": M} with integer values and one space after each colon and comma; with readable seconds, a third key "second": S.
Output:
{"hour": 5, "minute": 41}
